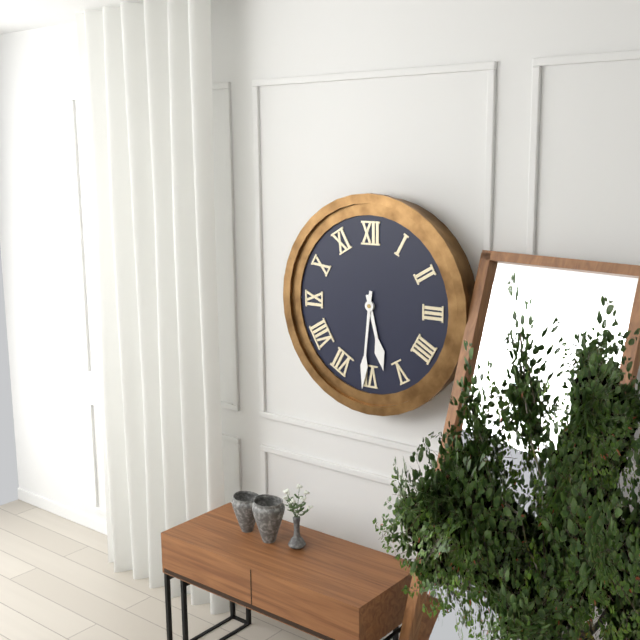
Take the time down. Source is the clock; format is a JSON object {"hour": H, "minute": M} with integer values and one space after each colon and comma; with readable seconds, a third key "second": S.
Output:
{"hour": 5, "minute": 31}
